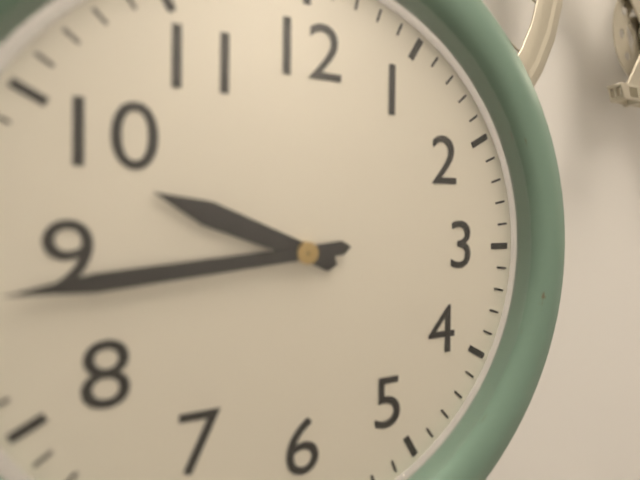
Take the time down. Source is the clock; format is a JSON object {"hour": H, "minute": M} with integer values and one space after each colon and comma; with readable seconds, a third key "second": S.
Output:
{"hour": 9, "minute": 44}
